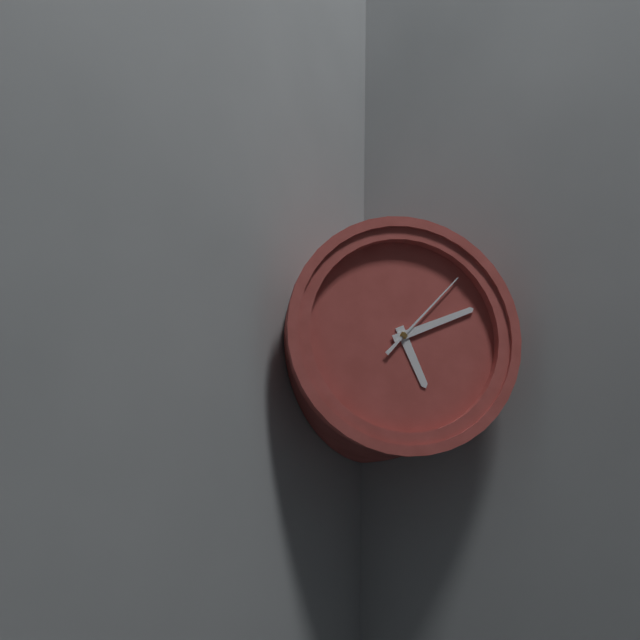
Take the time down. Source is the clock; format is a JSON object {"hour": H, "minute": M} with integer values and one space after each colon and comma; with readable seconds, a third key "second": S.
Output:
{"hour": 5, "minute": 11, "second": 7}
